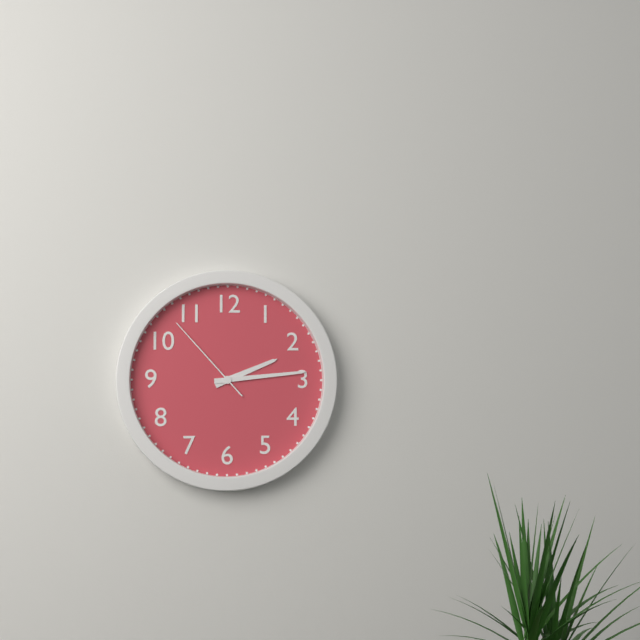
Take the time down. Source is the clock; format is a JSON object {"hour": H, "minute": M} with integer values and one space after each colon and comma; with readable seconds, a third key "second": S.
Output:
{"hour": 2, "minute": 14, "second": 53}
